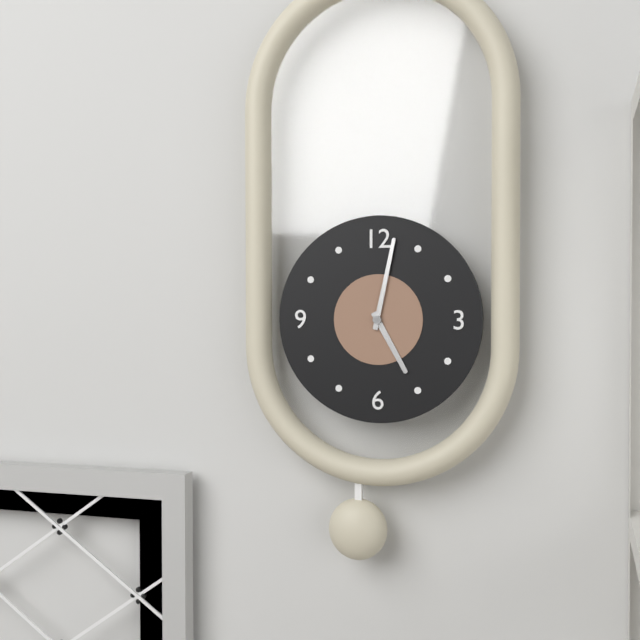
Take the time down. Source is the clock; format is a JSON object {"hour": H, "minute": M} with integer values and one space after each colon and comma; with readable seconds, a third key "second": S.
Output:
{"hour": 5, "minute": 2}
